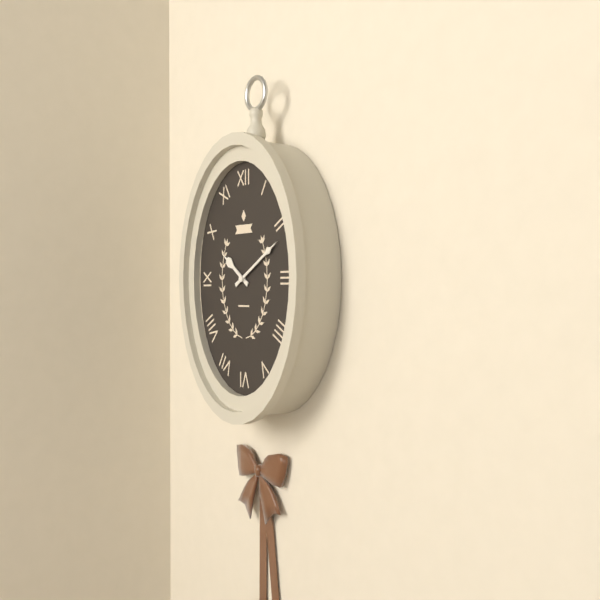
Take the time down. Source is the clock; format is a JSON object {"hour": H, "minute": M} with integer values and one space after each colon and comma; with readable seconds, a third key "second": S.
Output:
{"hour": 10, "minute": 10}
